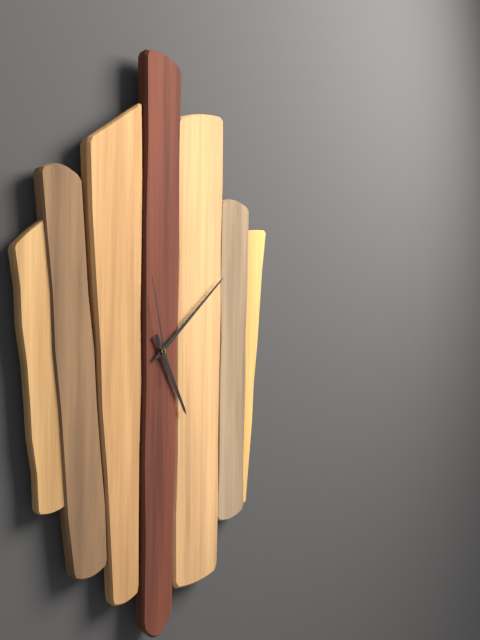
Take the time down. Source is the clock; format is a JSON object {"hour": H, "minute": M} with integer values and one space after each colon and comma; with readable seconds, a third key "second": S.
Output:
{"hour": 5, "minute": 8, "second": 58}
